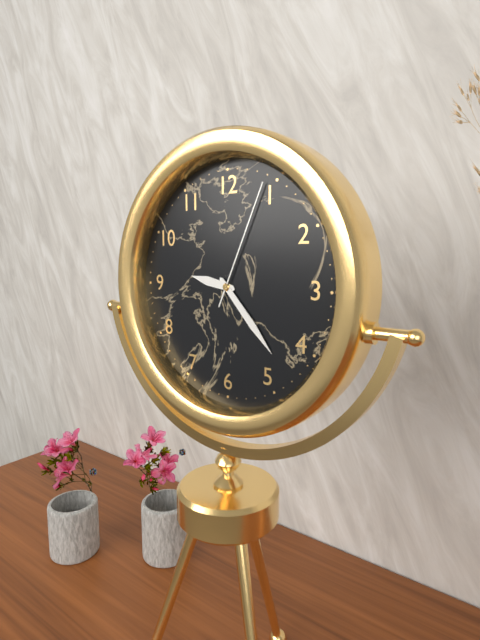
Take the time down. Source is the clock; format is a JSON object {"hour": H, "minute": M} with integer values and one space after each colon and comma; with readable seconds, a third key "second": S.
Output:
{"hour": 9, "minute": 23, "second": 4}
